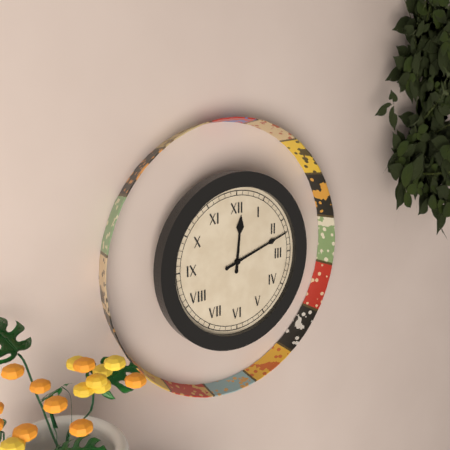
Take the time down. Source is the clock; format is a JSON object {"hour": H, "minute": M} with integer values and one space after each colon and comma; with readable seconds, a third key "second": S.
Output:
{"hour": 12, "minute": 12}
